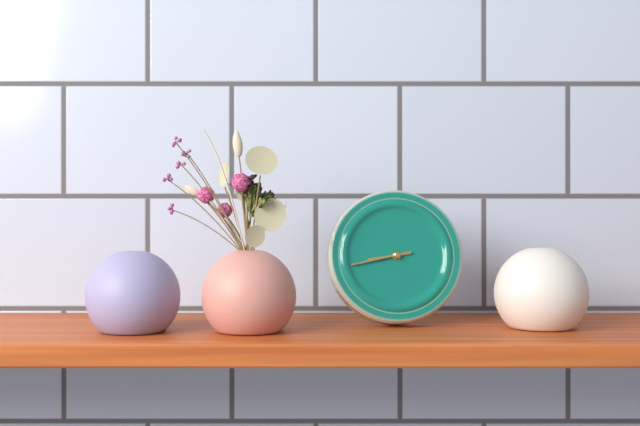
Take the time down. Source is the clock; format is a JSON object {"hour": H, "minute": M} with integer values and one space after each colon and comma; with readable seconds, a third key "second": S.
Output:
{"hour": 8, "minute": 43}
